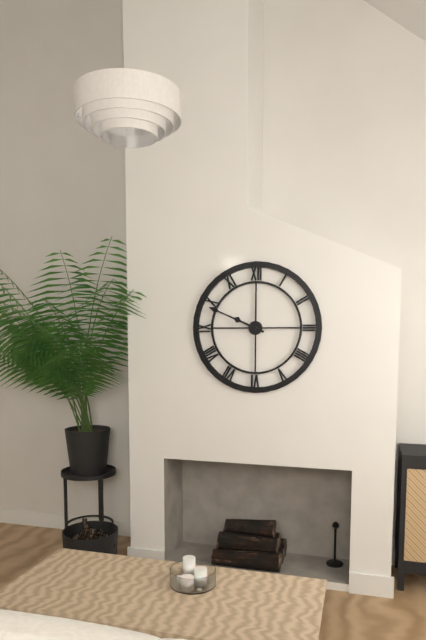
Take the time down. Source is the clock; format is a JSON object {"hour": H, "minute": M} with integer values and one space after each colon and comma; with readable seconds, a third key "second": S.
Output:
{"hour": 9, "minute": 49}
